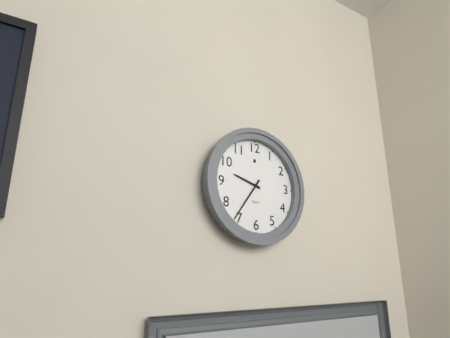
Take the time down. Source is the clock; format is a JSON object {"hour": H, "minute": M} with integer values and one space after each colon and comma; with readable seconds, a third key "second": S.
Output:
{"hour": 9, "minute": 36}
